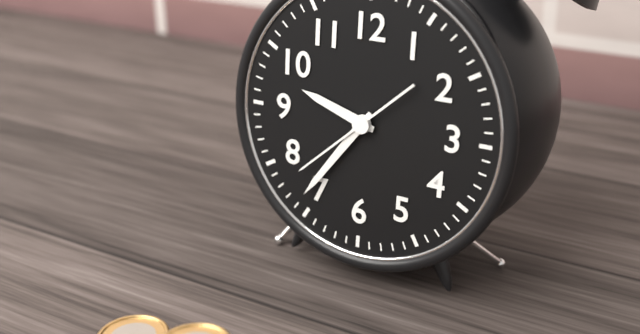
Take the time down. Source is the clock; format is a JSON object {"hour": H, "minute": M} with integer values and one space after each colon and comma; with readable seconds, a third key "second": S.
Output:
{"hour": 9, "minute": 36, "second": 38}
